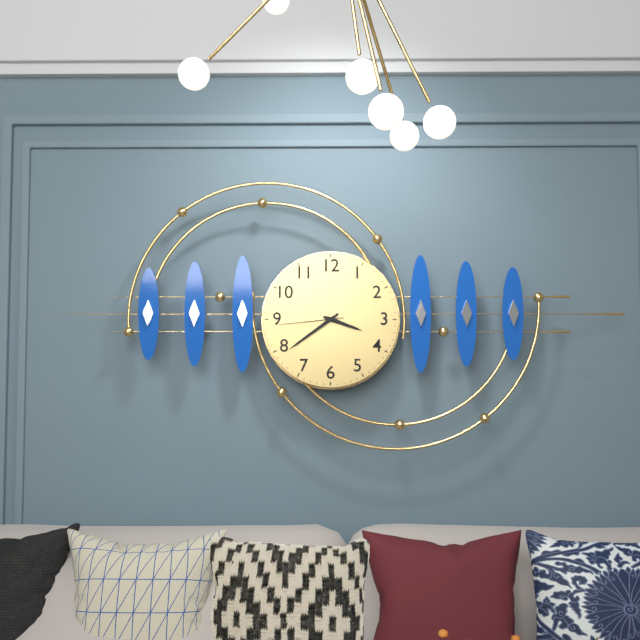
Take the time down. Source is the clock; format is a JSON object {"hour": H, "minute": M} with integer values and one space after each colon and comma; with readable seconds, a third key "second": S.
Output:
{"hour": 3, "minute": 39, "second": 44}
